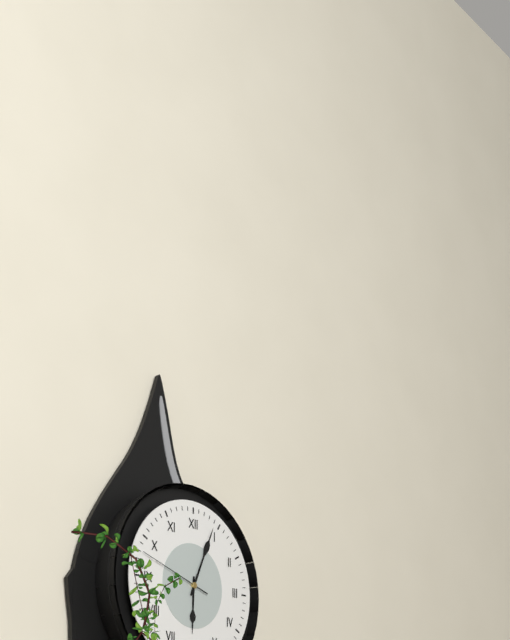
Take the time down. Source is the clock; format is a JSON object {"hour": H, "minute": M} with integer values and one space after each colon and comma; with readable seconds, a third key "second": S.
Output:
{"hour": 6, "minute": 4, "second": 48}
